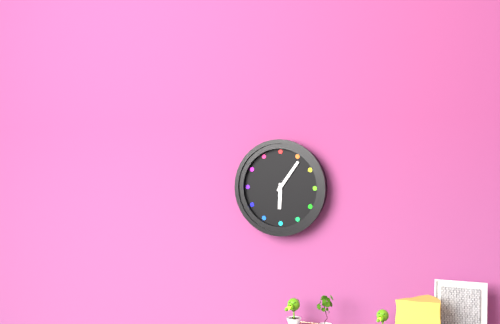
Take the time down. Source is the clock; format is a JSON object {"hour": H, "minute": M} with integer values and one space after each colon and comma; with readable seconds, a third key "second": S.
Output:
{"hour": 6, "minute": 6}
